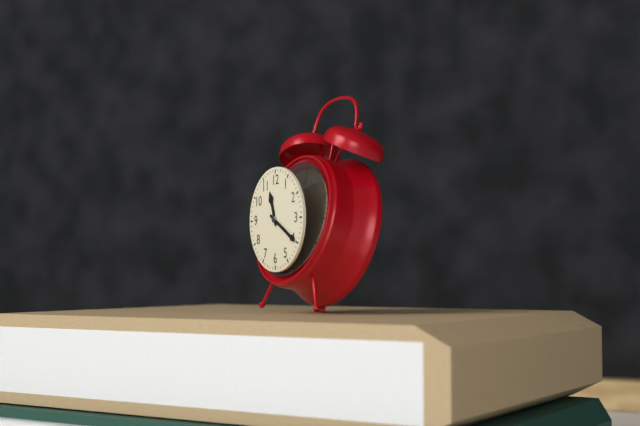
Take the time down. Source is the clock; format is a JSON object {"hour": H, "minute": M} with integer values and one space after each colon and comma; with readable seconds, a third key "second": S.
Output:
{"hour": 11, "minute": 20}
